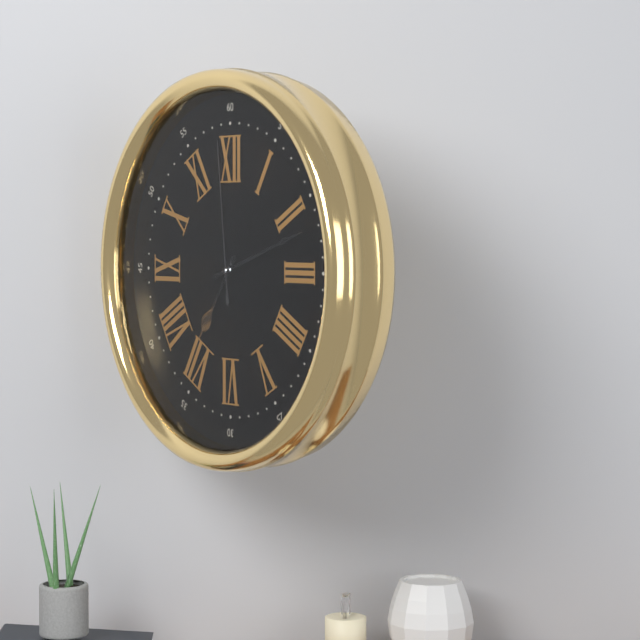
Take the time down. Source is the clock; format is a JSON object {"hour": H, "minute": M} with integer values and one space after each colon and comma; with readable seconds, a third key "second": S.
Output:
{"hour": 7, "minute": 12, "second": 59}
